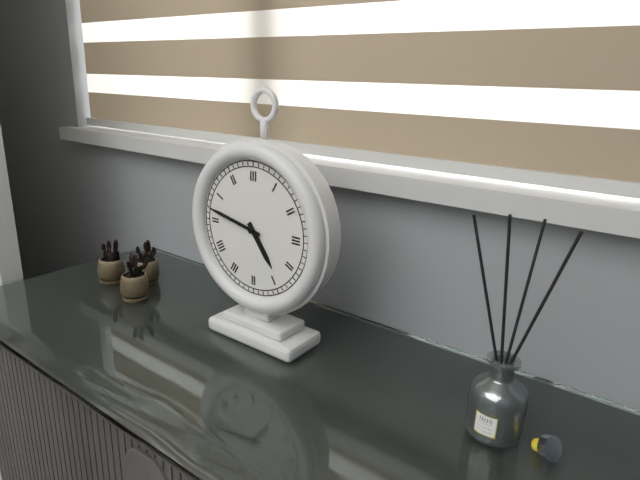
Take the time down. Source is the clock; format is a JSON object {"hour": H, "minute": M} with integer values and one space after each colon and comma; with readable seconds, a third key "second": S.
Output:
{"hour": 4, "minute": 47}
